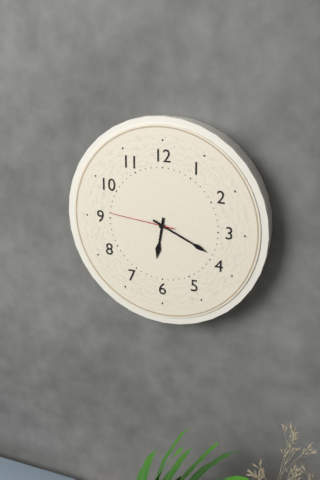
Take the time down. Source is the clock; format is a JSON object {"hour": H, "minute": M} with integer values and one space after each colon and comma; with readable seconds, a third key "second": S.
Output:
{"hour": 6, "minute": 19, "second": 46}
